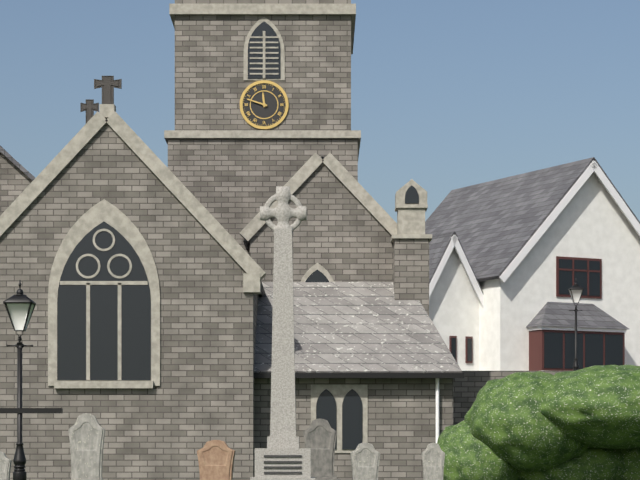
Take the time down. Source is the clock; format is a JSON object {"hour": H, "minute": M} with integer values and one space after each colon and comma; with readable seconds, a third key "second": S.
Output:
{"hour": 11, "minute": 48}
